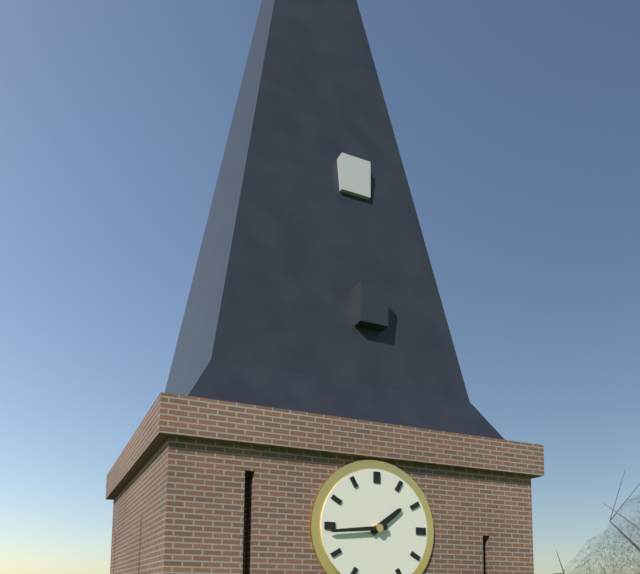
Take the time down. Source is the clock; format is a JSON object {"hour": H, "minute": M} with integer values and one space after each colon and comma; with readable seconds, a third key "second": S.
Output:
{"hour": 1, "minute": 44}
